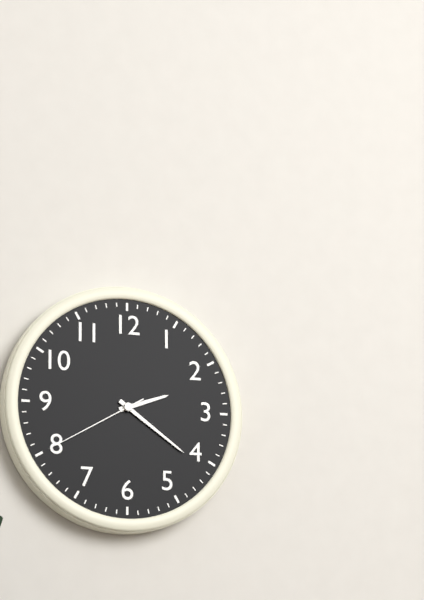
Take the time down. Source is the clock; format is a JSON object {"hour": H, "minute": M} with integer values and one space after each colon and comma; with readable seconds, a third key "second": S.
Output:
{"hour": 2, "minute": 21, "second": 40}
